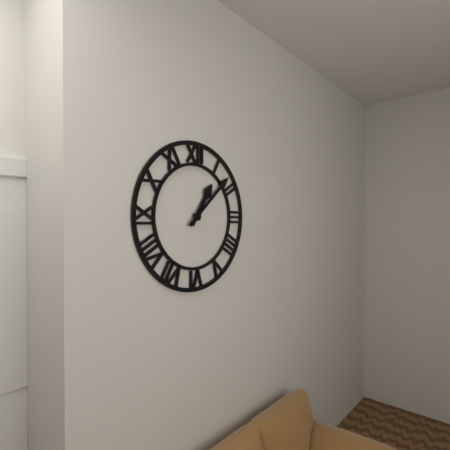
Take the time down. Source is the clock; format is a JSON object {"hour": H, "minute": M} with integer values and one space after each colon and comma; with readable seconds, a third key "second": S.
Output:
{"hour": 1, "minute": 8}
